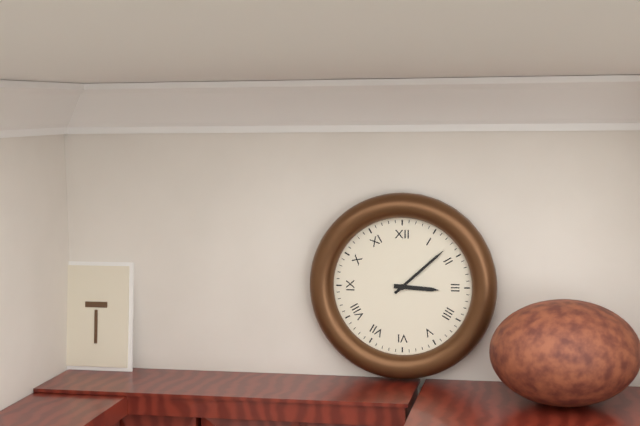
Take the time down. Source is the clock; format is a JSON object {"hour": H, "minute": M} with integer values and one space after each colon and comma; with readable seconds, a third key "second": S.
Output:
{"hour": 3, "minute": 8}
